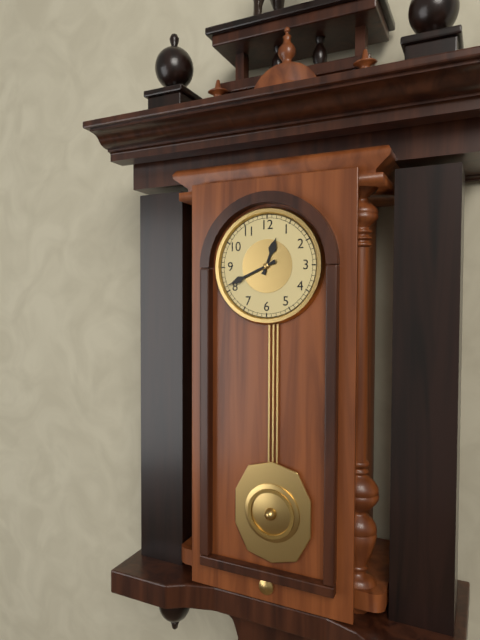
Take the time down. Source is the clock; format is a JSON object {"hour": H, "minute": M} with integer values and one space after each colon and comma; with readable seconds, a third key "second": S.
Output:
{"hour": 12, "minute": 41}
